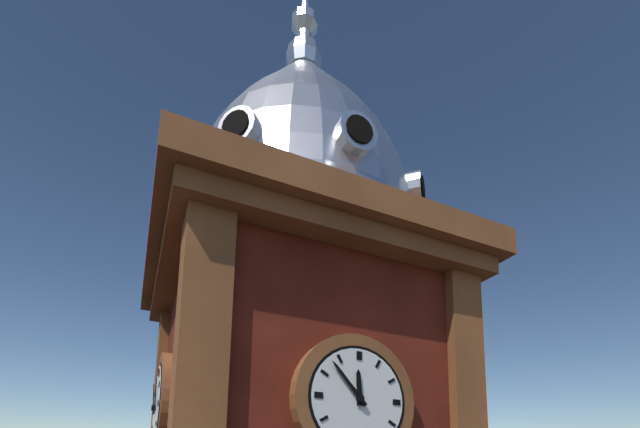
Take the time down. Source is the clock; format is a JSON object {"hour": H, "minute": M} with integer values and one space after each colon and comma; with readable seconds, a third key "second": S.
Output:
{"hour": 11, "minute": 53}
